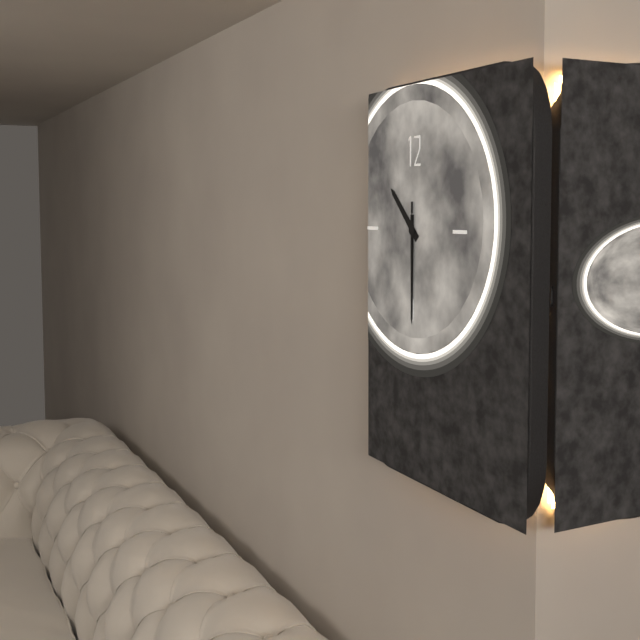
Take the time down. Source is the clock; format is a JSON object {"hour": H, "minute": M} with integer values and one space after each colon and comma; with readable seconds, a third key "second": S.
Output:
{"hour": 10, "minute": 30, "second": 30}
